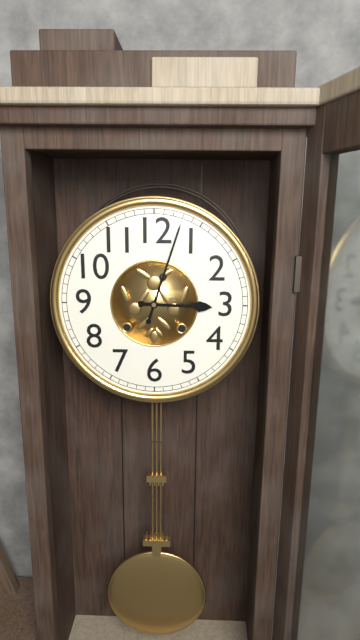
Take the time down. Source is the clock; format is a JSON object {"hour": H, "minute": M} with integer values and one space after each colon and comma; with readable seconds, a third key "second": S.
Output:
{"hour": 3, "minute": 3}
